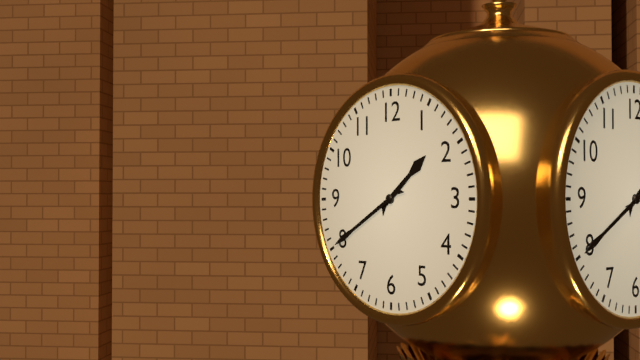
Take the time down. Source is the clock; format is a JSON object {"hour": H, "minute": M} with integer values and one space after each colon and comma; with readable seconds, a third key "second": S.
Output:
{"hour": 1, "minute": 40}
